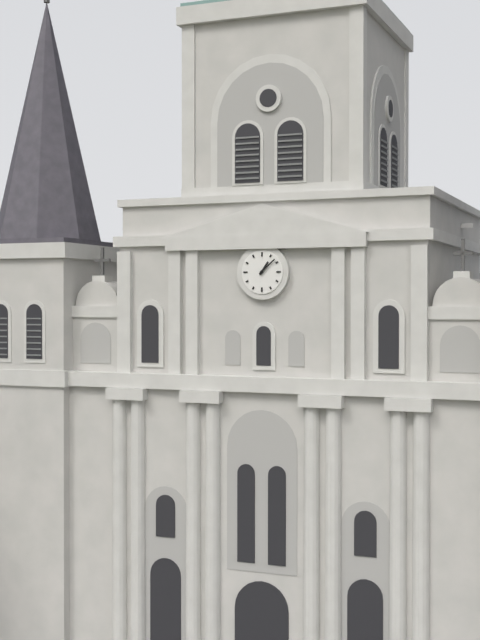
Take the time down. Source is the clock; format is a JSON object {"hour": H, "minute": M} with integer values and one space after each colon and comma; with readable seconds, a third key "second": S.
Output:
{"hour": 1, "minute": 8}
